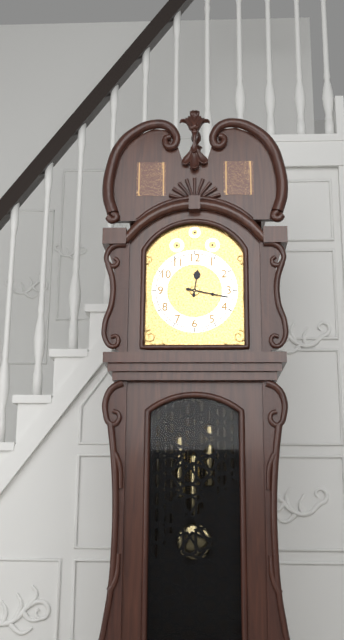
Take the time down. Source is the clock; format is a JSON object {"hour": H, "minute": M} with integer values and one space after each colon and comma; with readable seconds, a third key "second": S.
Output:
{"hour": 12, "minute": 17}
